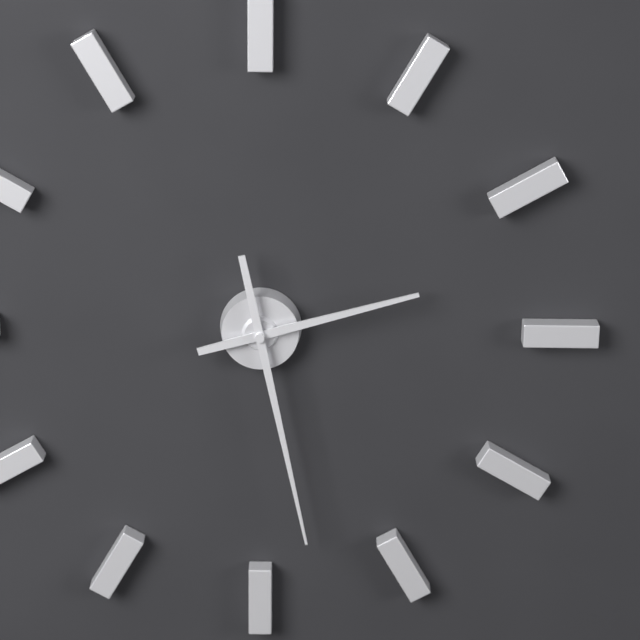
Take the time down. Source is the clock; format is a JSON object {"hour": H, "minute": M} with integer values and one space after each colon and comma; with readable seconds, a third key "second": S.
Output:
{"hour": 2, "minute": 28}
